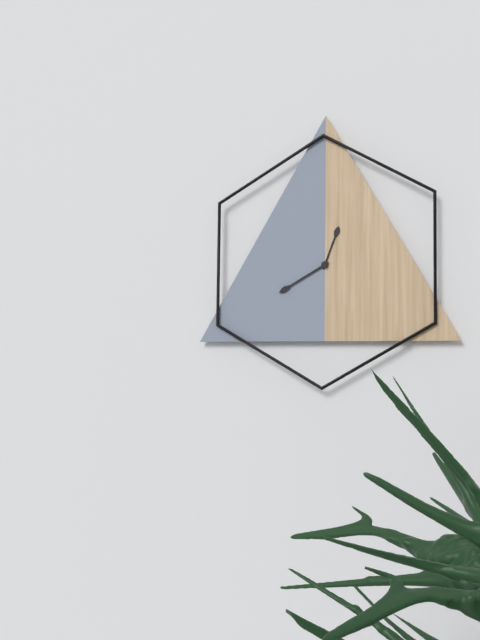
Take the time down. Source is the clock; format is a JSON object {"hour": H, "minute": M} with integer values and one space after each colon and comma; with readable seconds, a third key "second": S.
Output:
{"hour": 12, "minute": 40}
